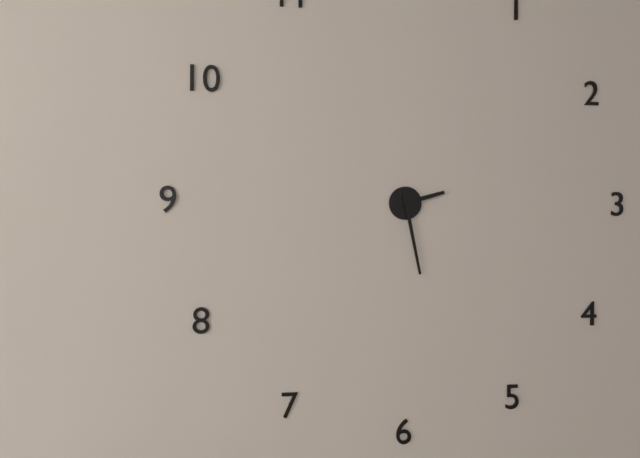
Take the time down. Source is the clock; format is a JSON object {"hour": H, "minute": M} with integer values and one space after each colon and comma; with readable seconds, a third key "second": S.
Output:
{"hour": 2, "minute": 28}
